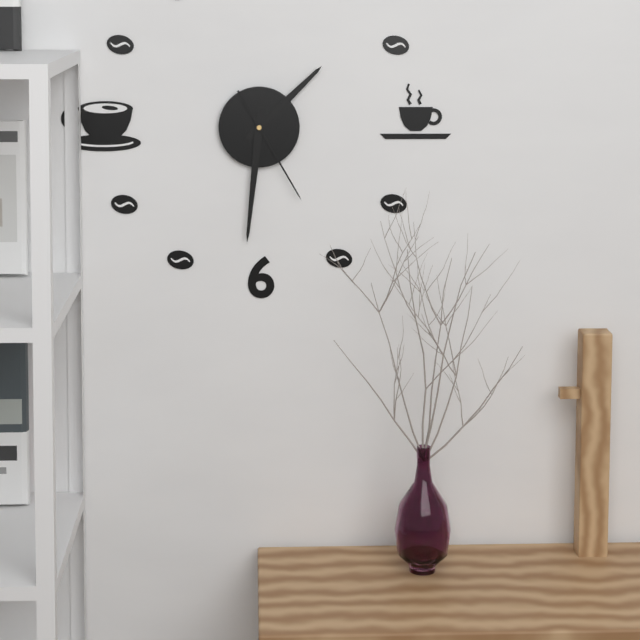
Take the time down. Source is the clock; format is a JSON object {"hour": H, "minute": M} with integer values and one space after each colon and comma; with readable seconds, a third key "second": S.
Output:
{"hour": 1, "minute": 31, "second": 25}
